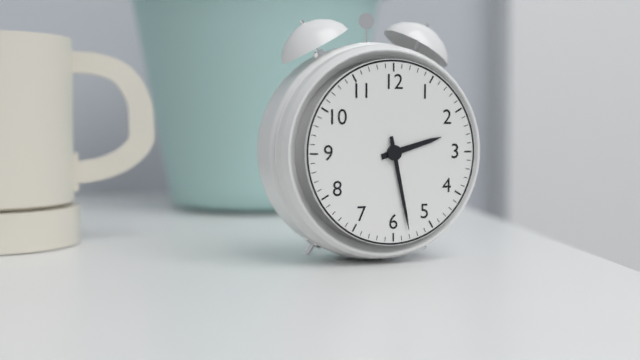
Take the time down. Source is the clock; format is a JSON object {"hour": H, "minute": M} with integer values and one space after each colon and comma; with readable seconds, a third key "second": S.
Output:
{"hour": 2, "minute": 28}
